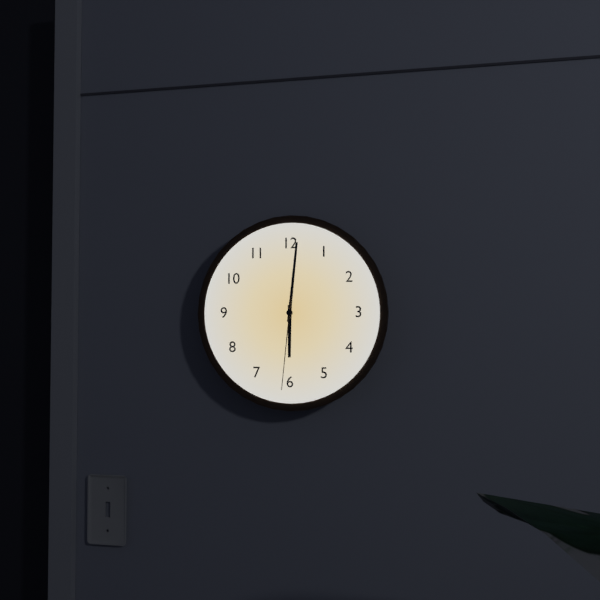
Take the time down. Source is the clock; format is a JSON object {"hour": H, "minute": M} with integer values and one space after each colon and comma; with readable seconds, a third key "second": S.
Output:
{"hour": 6, "minute": 1, "second": 31}
